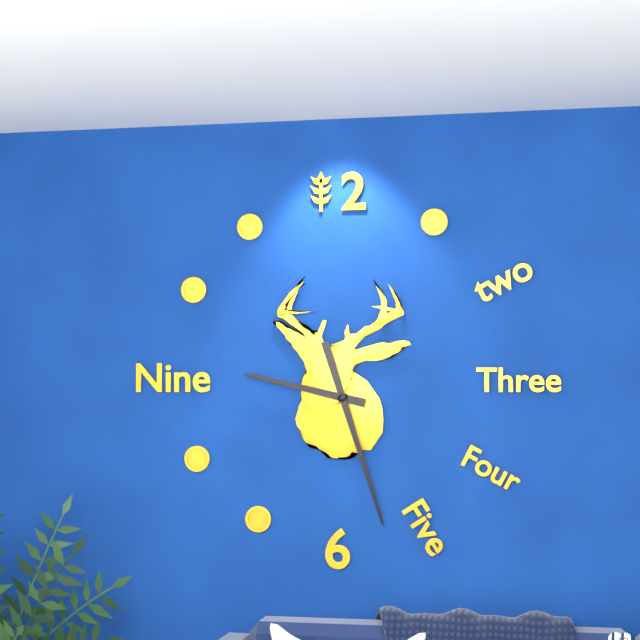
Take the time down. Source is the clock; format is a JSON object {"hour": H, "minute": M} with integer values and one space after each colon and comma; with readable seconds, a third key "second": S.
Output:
{"hour": 9, "minute": 27}
